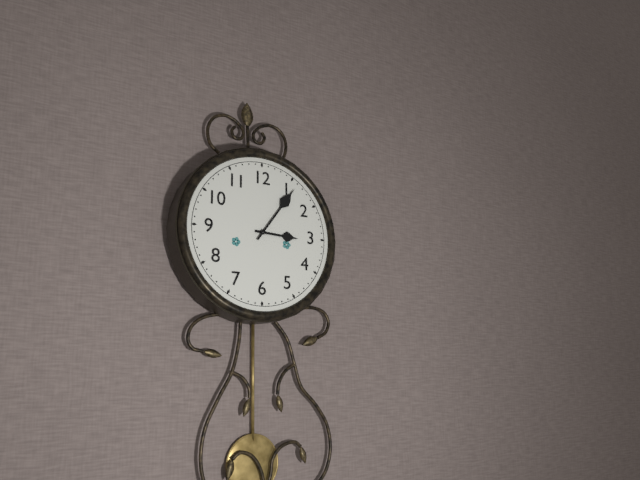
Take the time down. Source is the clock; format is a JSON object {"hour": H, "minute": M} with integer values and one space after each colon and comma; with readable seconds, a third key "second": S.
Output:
{"hour": 3, "minute": 6}
